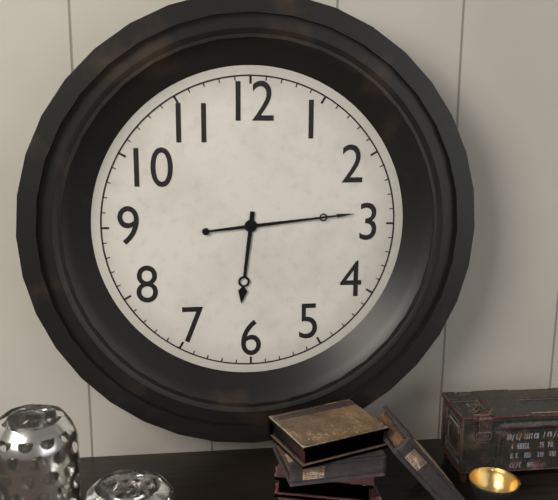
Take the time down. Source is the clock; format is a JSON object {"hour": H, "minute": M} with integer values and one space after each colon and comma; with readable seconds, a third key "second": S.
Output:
{"hour": 6, "minute": 14}
